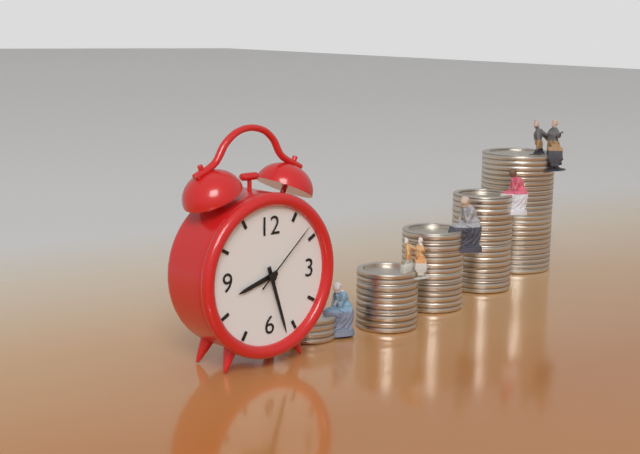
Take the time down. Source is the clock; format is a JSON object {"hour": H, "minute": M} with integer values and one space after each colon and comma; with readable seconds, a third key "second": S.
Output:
{"hour": 8, "minute": 27, "second": 8}
